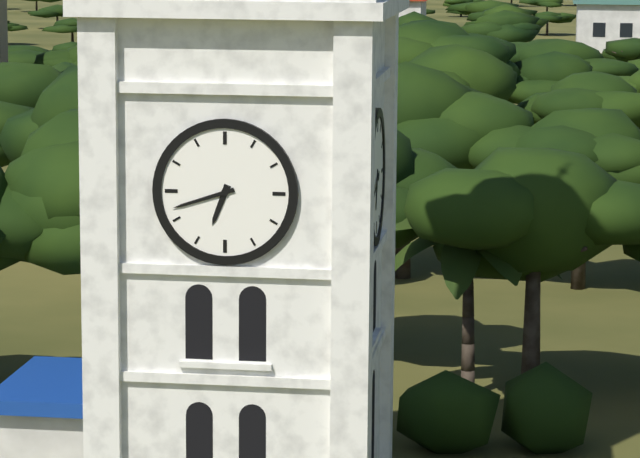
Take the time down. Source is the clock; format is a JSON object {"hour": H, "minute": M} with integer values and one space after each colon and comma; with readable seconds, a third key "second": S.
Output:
{"hour": 6, "minute": 42}
